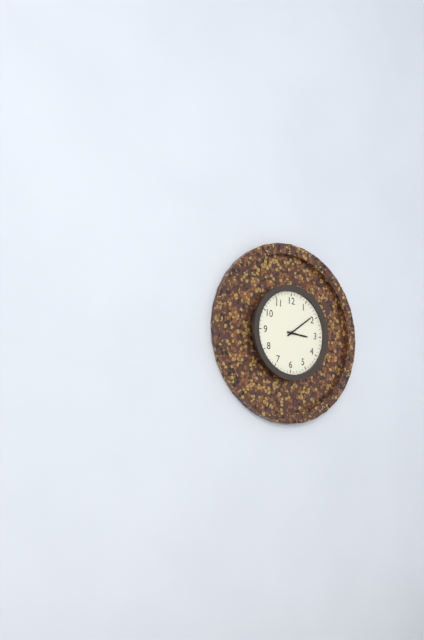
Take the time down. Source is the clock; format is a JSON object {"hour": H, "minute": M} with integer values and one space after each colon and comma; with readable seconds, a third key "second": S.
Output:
{"hour": 3, "minute": 9}
